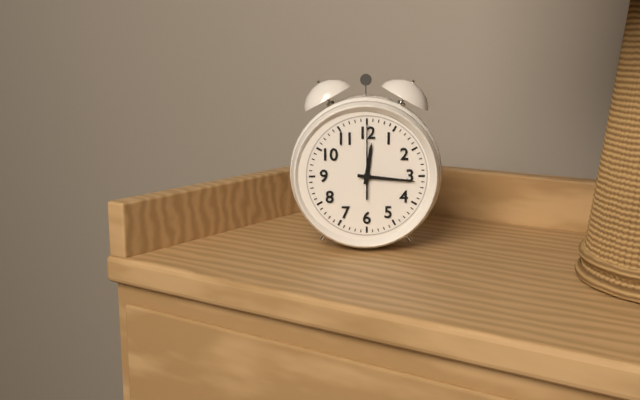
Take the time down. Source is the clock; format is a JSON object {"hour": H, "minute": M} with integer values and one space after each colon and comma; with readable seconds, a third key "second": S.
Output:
{"hour": 12, "minute": 16, "second": 0}
